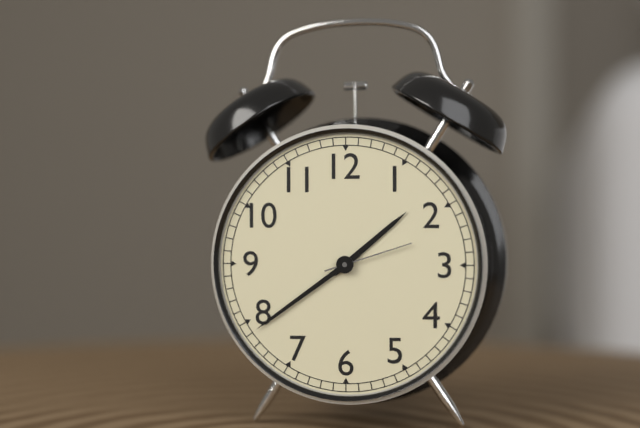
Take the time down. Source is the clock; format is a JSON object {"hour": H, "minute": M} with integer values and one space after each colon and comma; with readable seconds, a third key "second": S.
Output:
{"hour": 1, "minute": 39, "second": 12}
